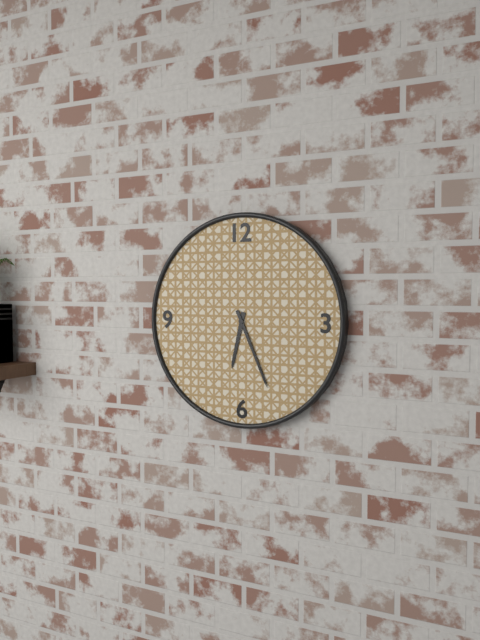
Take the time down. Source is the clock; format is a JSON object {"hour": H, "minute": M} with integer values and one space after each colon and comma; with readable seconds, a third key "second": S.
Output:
{"hour": 6, "minute": 26}
